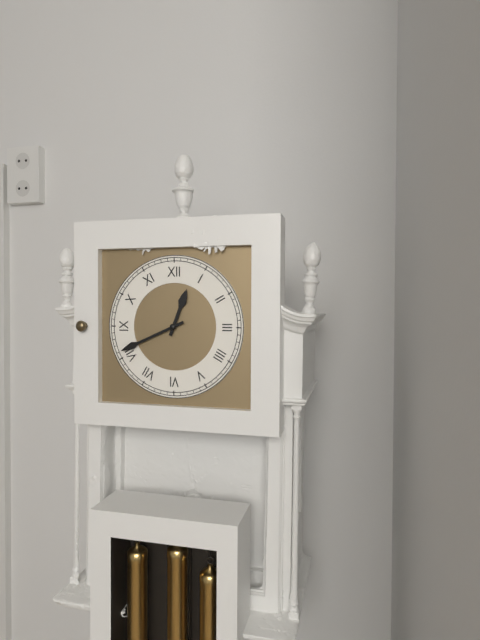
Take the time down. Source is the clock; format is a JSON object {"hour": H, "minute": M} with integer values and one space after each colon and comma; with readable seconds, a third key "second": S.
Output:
{"hour": 12, "minute": 41}
